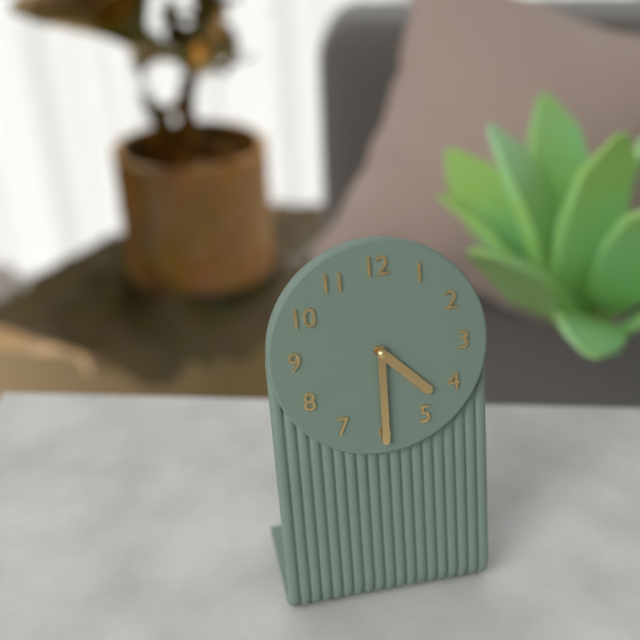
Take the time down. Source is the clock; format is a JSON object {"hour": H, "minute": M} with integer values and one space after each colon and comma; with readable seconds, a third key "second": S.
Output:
{"hour": 4, "minute": 30}
